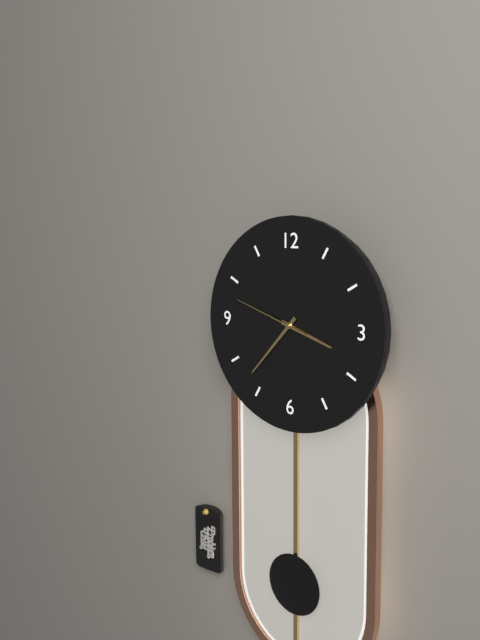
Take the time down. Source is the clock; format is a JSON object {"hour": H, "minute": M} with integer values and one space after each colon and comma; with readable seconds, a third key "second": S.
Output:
{"hour": 3, "minute": 37, "second": 48}
